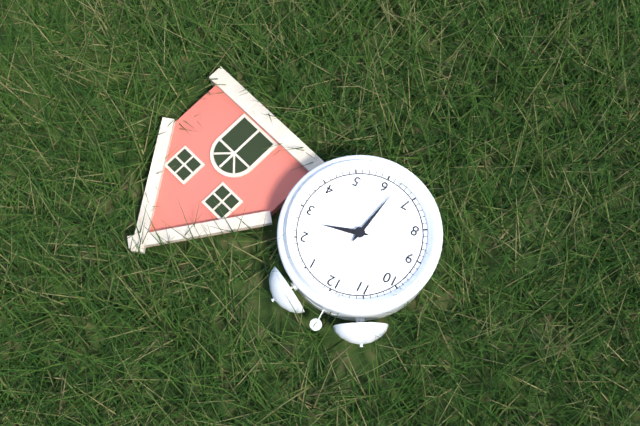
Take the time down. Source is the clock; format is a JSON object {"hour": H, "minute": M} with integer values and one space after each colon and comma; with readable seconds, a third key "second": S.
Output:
{"hour": 2, "minute": 32}
